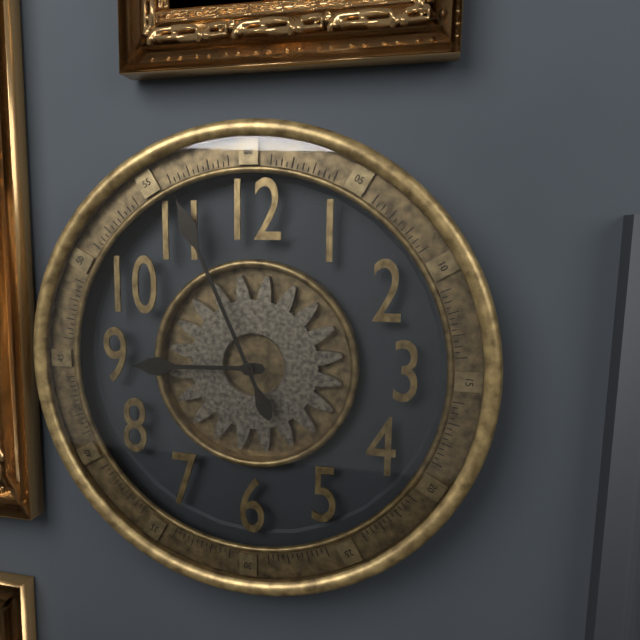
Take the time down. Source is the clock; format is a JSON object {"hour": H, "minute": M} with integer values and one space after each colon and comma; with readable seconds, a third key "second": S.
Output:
{"hour": 8, "minute": 56}
